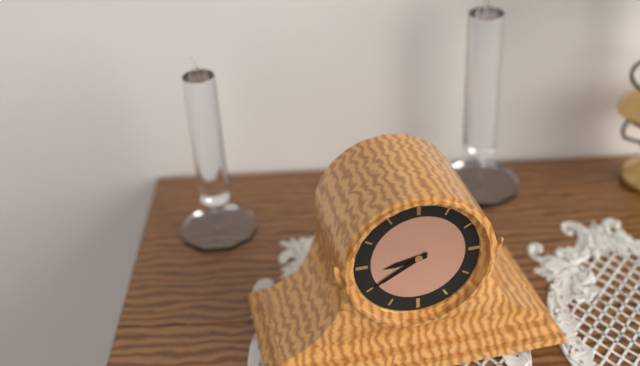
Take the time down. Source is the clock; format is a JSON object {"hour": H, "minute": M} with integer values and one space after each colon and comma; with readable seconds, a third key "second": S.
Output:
{"hour": 8, "minute": 40}
